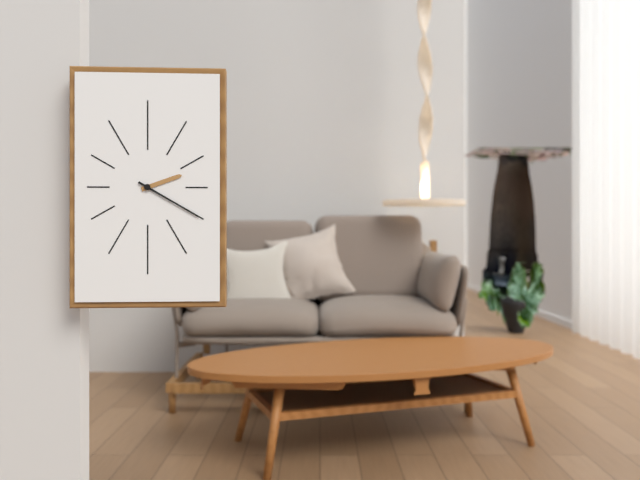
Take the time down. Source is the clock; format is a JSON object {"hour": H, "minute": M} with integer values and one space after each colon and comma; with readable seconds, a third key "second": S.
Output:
{"hour": 2, "minute": 20}
